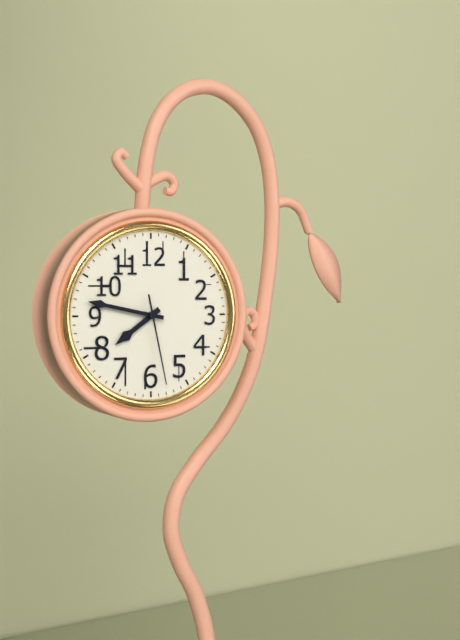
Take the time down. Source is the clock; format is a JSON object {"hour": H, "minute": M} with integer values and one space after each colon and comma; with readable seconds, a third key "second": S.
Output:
{"hour": 7, "minute": 47, "second": 28}
